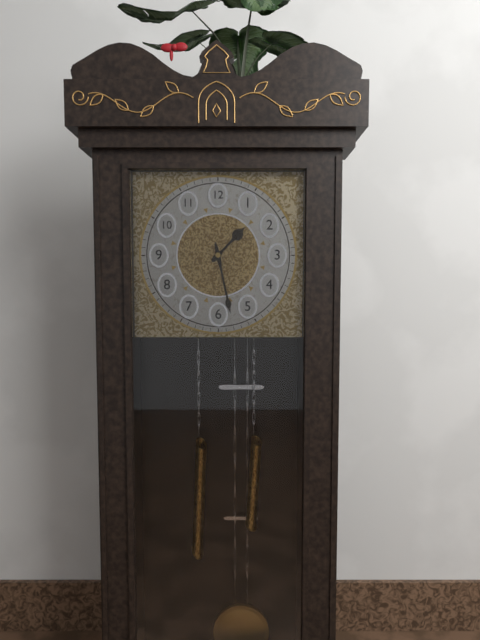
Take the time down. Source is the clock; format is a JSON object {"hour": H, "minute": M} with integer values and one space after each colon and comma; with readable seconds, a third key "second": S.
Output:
{"hour": 1, "minute": 28}
